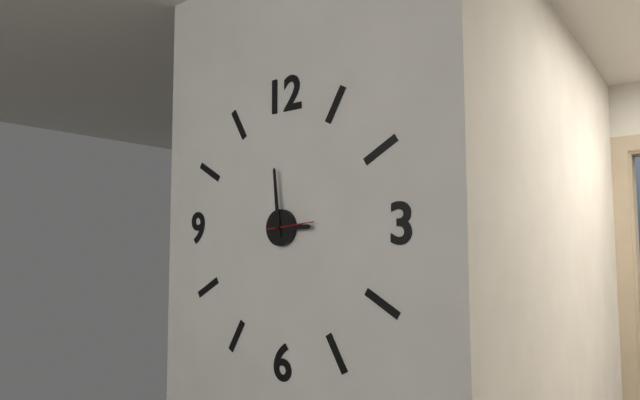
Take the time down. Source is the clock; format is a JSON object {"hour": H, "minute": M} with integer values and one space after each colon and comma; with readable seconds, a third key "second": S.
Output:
{"hour": 2, "minute": 59}
